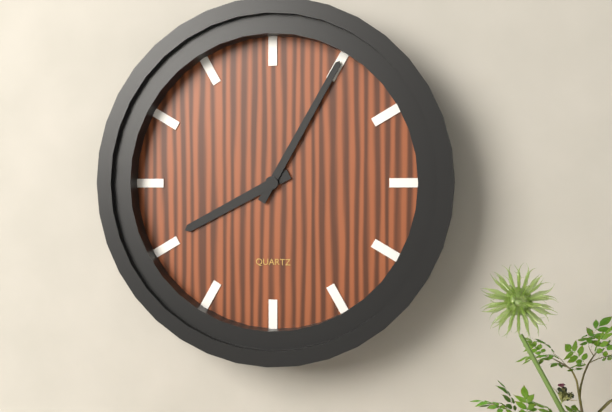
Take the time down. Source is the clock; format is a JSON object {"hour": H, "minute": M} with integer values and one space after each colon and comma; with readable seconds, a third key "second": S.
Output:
{"hour": 8, "minute": 5}
